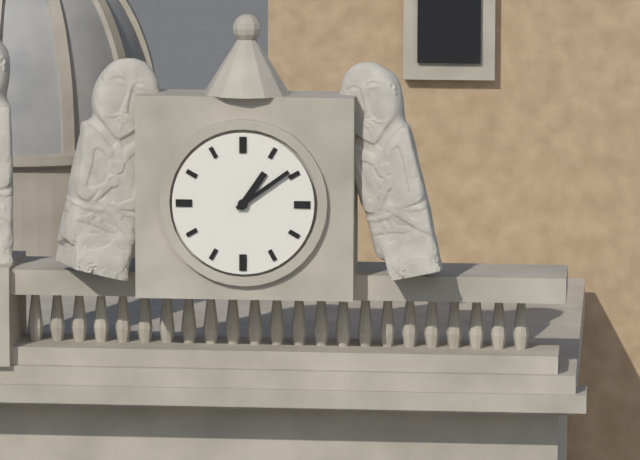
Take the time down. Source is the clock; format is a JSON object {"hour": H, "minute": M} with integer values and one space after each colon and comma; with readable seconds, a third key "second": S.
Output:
{"hour": 1, "minute": 9}
